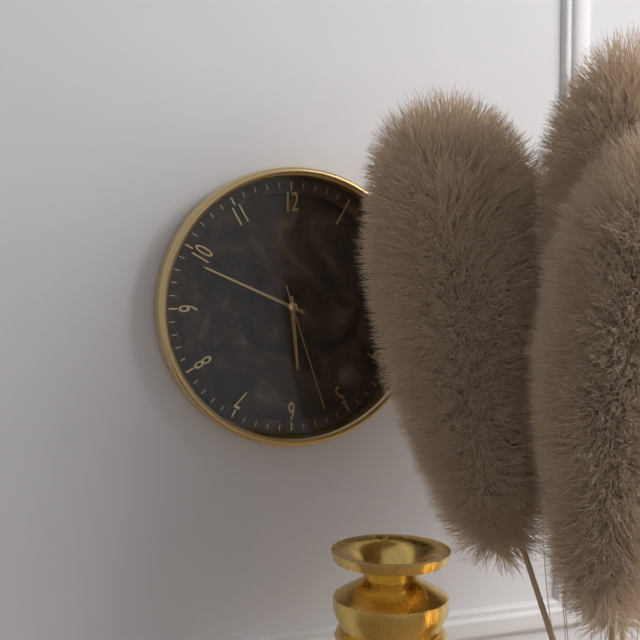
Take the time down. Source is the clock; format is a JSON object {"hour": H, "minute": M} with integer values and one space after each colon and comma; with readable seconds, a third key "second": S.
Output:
{"hour": 5, "minute": 49, "second": 27}
